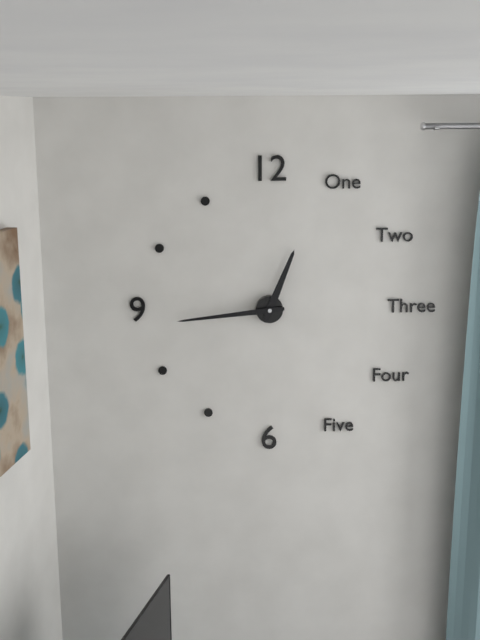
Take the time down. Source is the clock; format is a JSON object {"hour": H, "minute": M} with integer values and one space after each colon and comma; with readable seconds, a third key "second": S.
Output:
{"hour": 12, "minute": 44}
